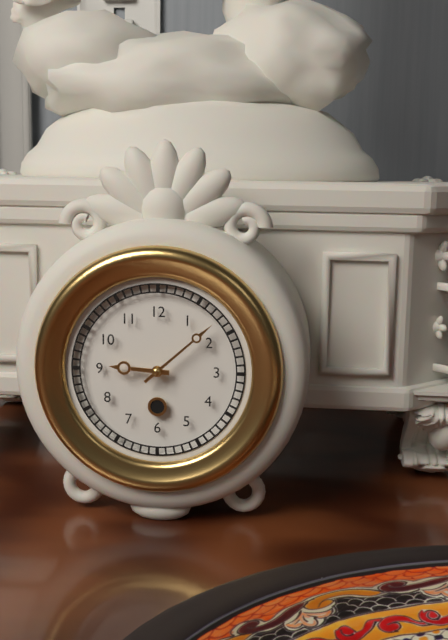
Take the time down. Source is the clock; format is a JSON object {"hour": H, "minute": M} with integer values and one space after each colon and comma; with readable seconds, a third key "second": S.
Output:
{"hour": 9, "minute": 8}
